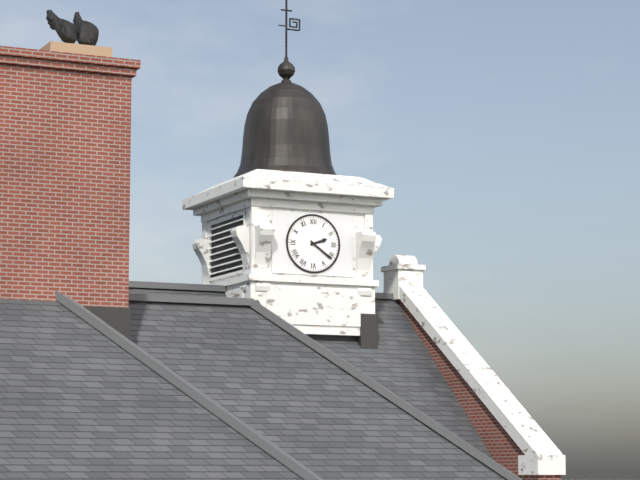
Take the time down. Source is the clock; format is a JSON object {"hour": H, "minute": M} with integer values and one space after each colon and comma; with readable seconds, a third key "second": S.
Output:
{"hour": 2, "minute": 21}
